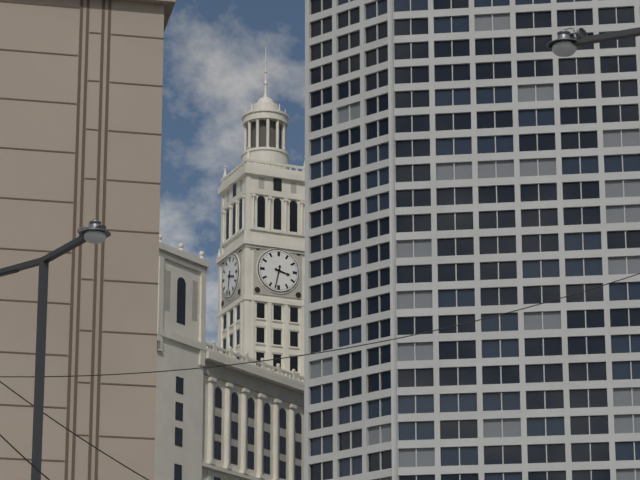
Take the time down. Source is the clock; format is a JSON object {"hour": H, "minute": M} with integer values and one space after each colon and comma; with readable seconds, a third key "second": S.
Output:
{"hour": 3, "minute": 32}
